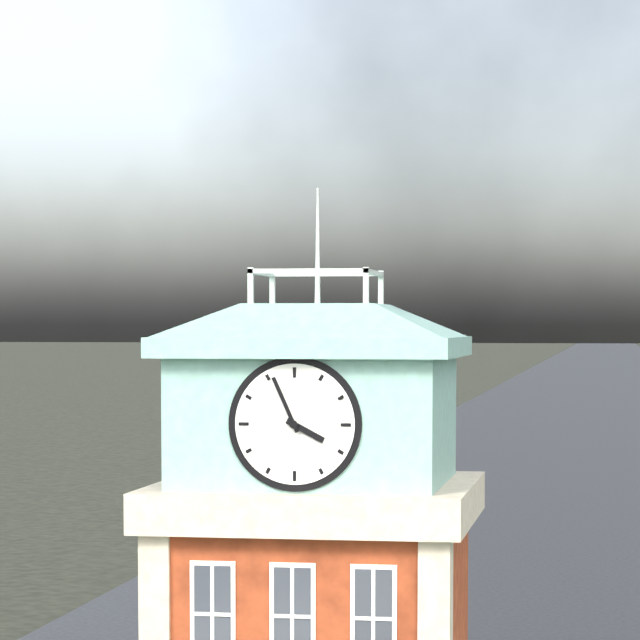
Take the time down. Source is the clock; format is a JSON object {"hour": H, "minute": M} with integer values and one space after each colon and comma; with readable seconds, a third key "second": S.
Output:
{"hour": 3, "minute": 56}
